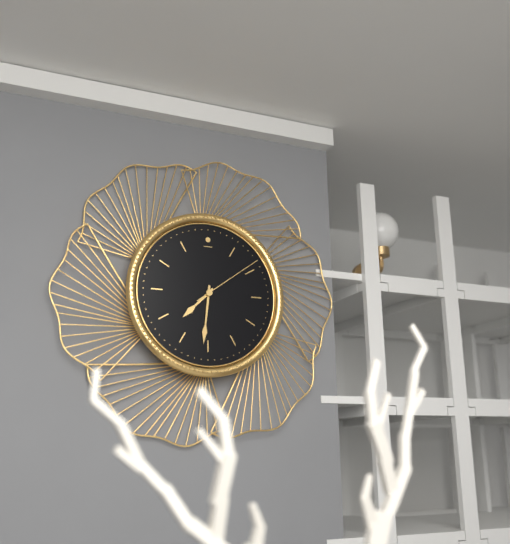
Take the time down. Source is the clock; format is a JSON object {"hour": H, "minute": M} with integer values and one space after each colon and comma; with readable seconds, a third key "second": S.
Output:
{"hour": 7, "minute": 31, "second": 9}
